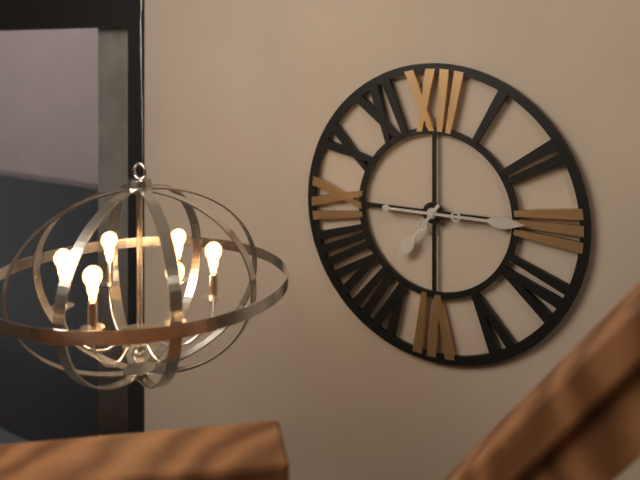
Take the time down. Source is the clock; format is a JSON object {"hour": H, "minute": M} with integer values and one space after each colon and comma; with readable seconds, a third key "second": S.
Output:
{"hour": 7, "minute": 15}
